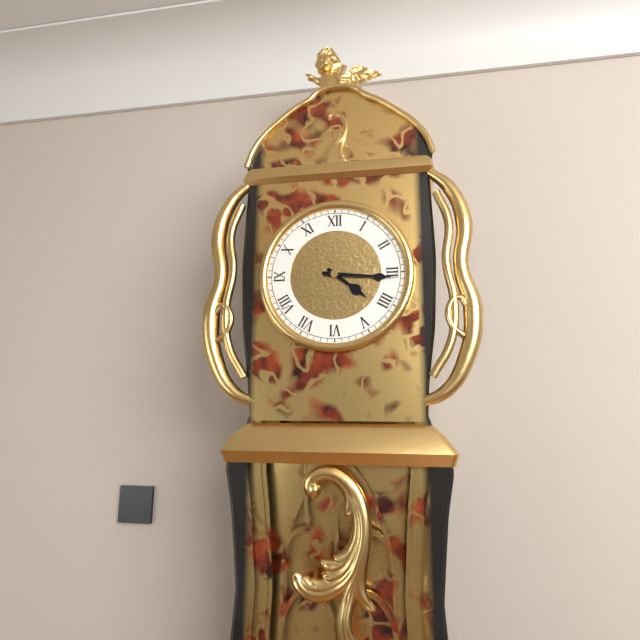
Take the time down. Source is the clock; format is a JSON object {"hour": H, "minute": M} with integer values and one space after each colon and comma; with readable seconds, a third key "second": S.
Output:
{"hour": 4, "minute": 16}
